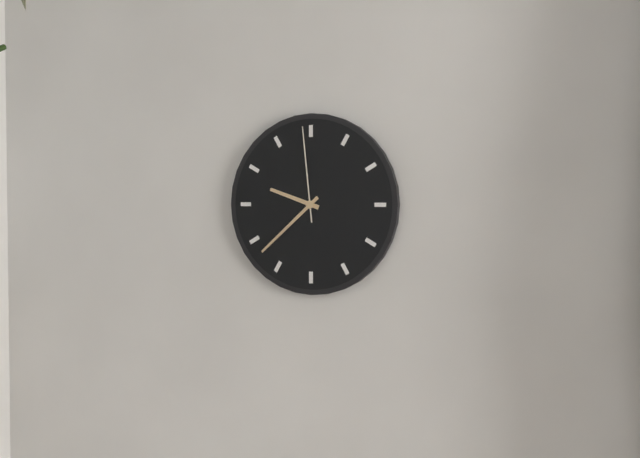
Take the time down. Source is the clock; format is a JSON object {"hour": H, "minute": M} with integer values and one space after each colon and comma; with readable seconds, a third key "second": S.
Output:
{"hour": 9, "minute": 38, "second": 59}
